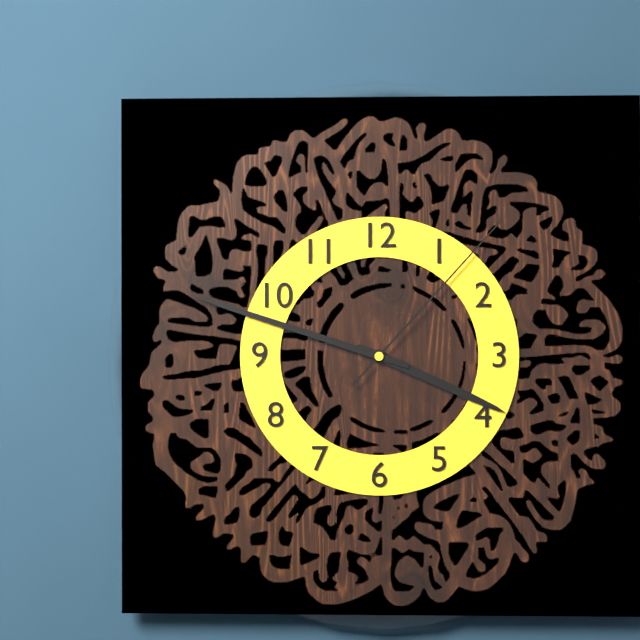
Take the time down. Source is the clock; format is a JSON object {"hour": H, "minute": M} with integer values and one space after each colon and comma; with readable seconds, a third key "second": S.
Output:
{"hour": 3, "minute": 48, "second": 7}
